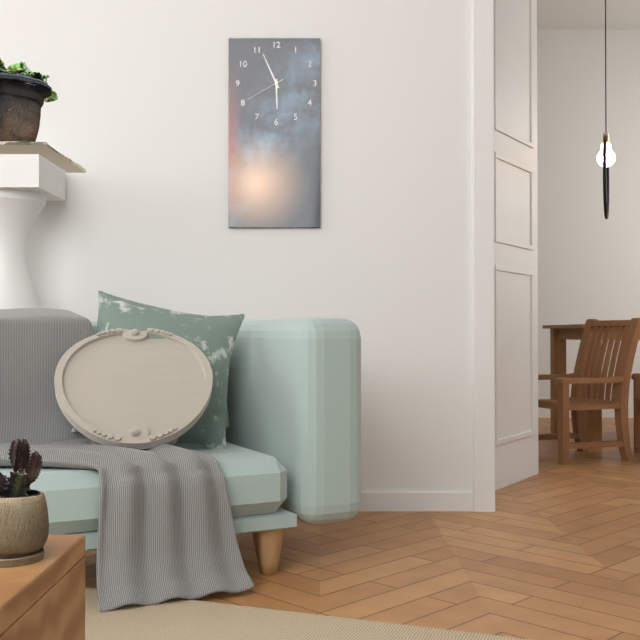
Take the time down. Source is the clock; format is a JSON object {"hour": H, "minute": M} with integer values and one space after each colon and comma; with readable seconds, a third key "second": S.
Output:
{"hour": 5, "minute": 56}
